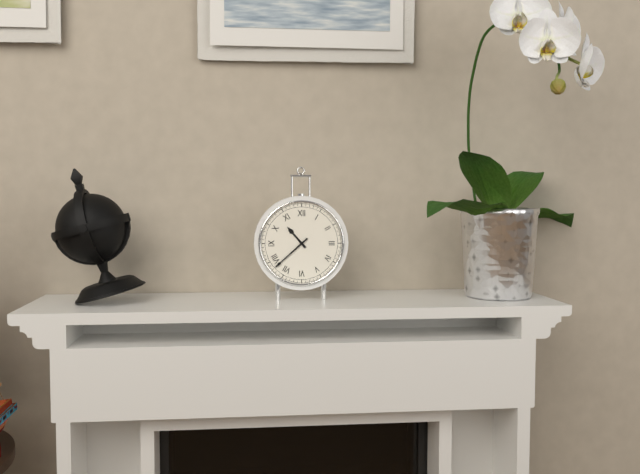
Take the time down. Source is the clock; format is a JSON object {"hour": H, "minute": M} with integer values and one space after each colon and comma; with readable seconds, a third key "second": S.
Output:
{"hour": 10, "minute": 38}
